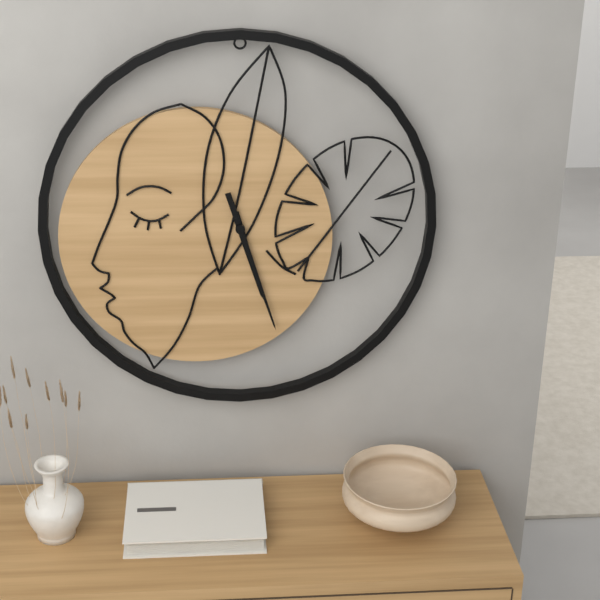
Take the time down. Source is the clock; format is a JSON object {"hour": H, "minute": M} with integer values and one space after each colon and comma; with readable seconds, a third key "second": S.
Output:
{"hour": 5, "minute": 27}
